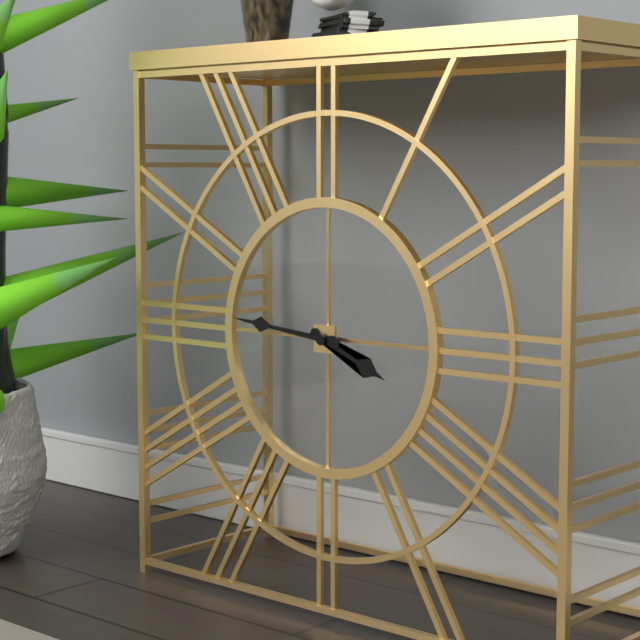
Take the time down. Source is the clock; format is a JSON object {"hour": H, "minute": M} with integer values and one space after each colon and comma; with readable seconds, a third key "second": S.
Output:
{"hour": 3, "minute": 46}
